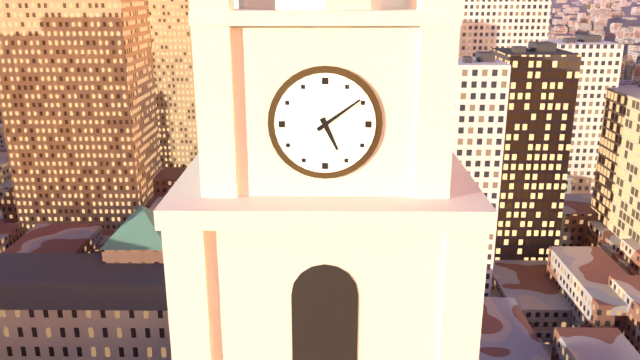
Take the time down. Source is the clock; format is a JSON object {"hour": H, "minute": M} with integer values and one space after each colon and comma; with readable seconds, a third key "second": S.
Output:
{"hour": 5, "minute": 9}
